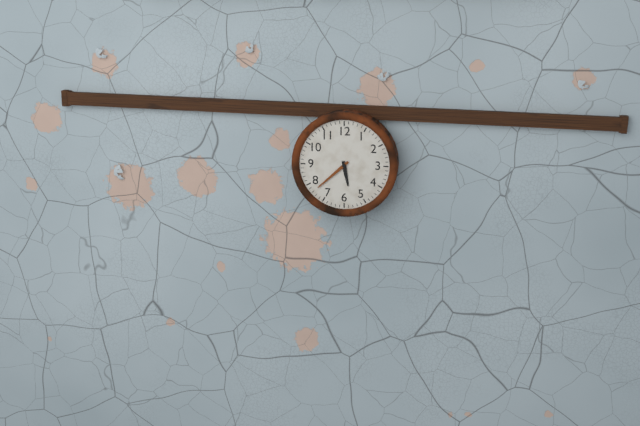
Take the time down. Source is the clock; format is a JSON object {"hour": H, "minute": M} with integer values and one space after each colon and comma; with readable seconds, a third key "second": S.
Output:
{"hour": 5, "minute": 38}
